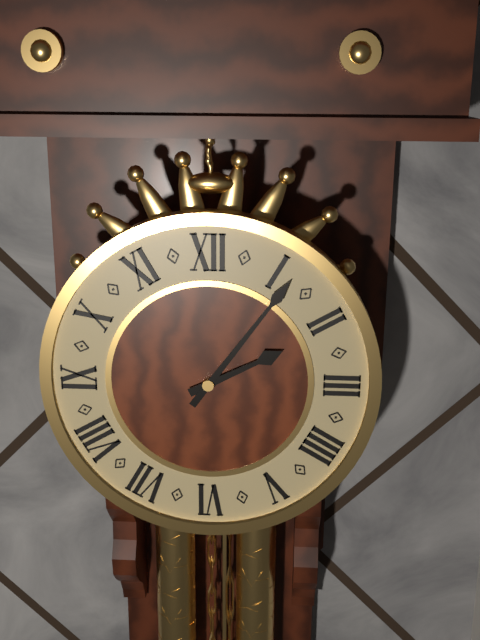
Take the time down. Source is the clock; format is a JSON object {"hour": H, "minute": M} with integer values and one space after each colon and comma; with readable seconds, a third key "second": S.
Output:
{"hour": 2, "minute": 6}
